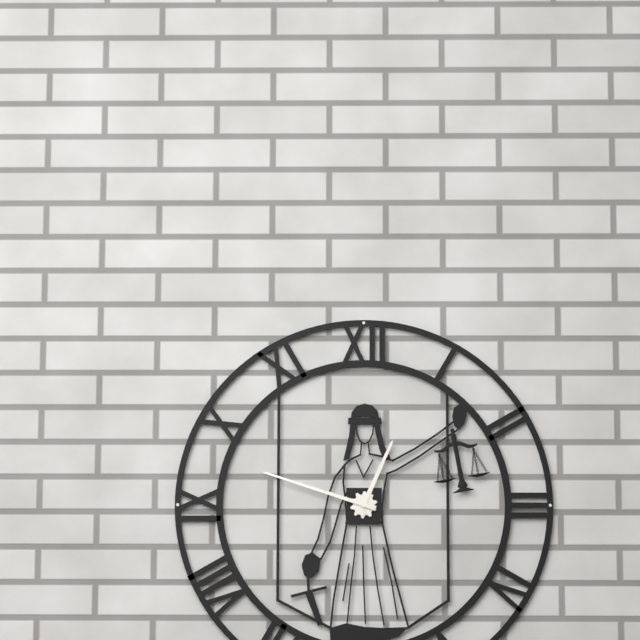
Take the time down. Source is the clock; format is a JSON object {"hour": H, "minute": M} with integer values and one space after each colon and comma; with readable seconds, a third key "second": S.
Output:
{"hour": 12, "minute": 48}
